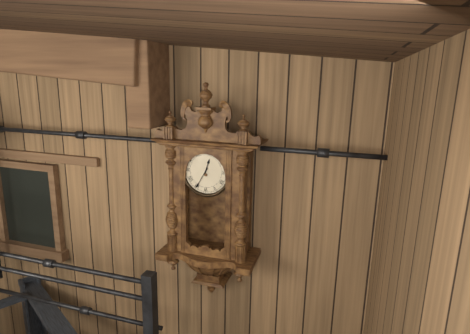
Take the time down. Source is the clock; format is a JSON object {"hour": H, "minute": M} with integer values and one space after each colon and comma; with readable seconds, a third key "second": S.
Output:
{"hour": 12, "minute": 35}
